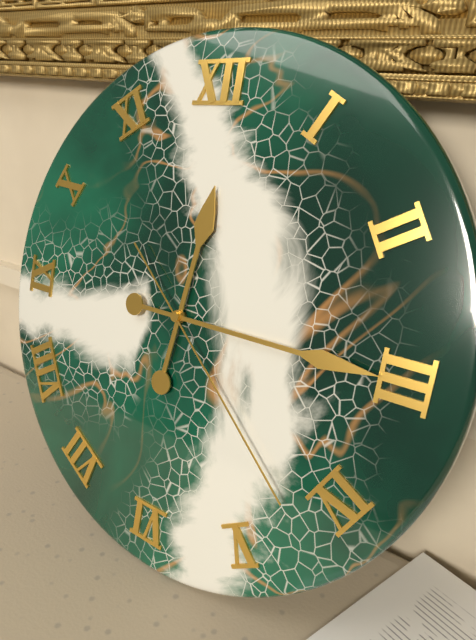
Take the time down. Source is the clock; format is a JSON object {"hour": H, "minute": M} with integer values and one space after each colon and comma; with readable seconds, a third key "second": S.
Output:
{"hour": 12, "minute": 15, "second": 22}
